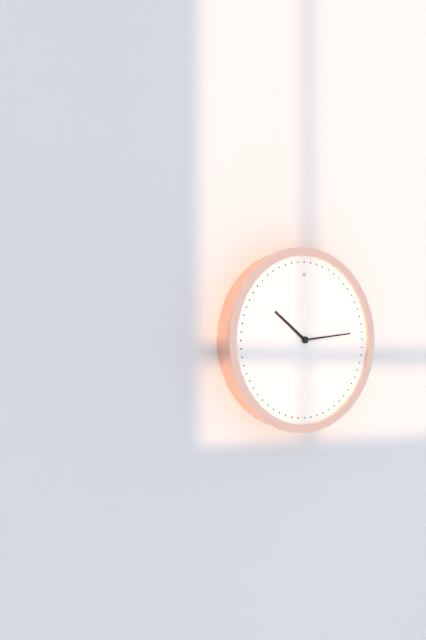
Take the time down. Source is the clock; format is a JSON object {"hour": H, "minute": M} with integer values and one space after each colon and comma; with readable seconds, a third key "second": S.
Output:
{"hour": 10, "minute": 14}
